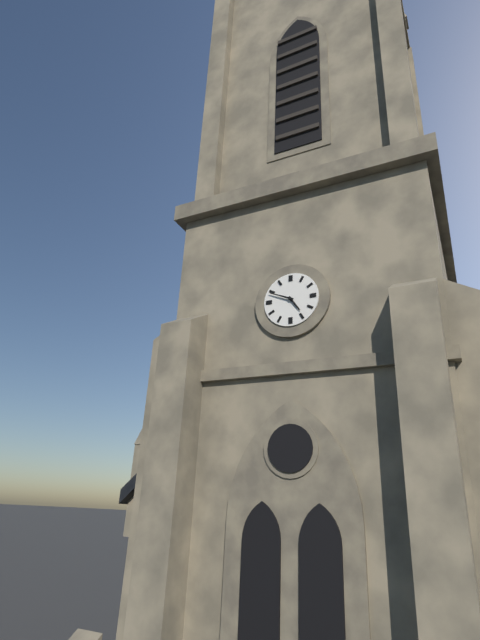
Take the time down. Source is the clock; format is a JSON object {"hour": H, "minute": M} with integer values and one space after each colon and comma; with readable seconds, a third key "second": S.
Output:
{"hour": 4, "minute": 49}
